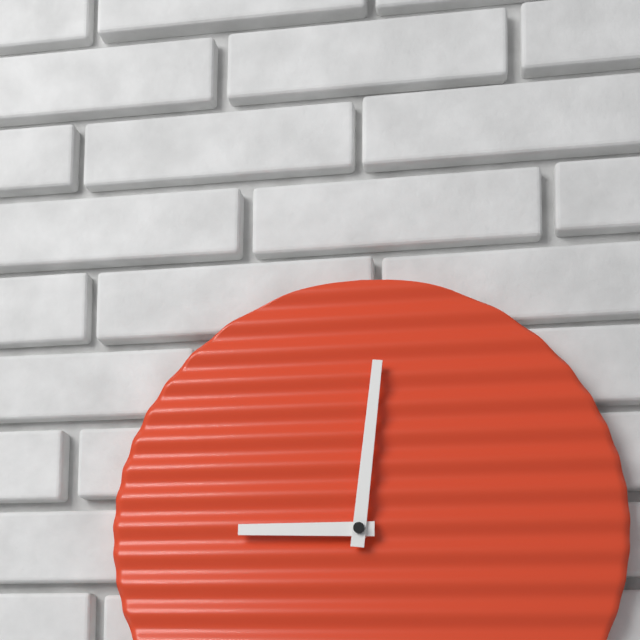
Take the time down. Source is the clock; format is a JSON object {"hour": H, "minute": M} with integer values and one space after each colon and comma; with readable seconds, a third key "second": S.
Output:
{"hour": 9, "minute": 1}
